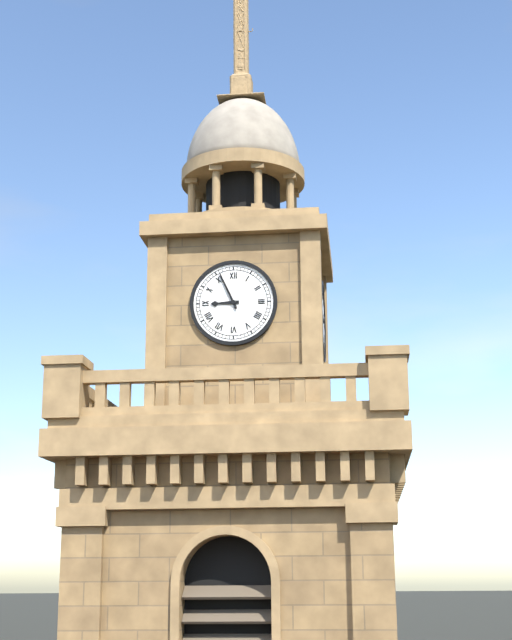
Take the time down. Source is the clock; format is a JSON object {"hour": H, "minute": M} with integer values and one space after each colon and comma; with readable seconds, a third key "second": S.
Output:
{"hour": 8, "minute": 56}
